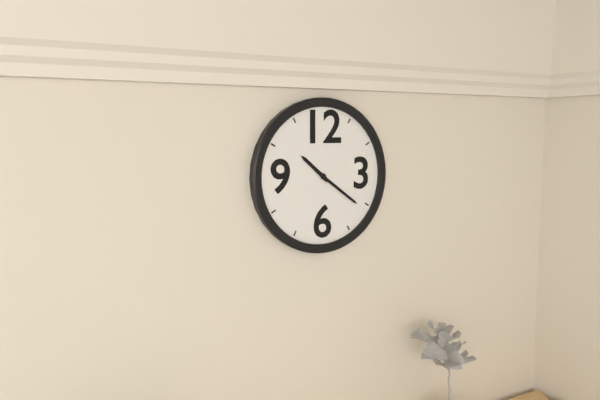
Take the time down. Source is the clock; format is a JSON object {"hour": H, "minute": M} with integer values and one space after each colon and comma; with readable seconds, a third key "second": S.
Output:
{"hour": 10, "minute": 21}
